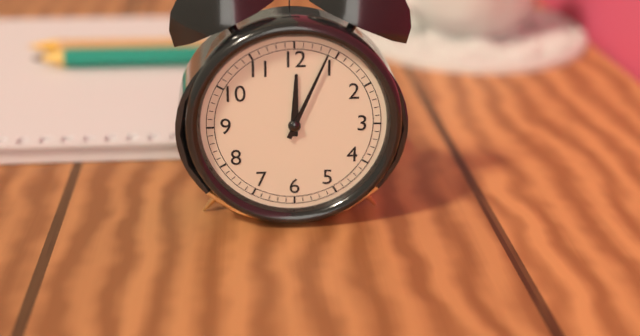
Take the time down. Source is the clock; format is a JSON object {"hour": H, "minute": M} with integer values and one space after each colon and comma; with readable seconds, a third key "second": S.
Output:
{"hour": 12, "minute": 4}
